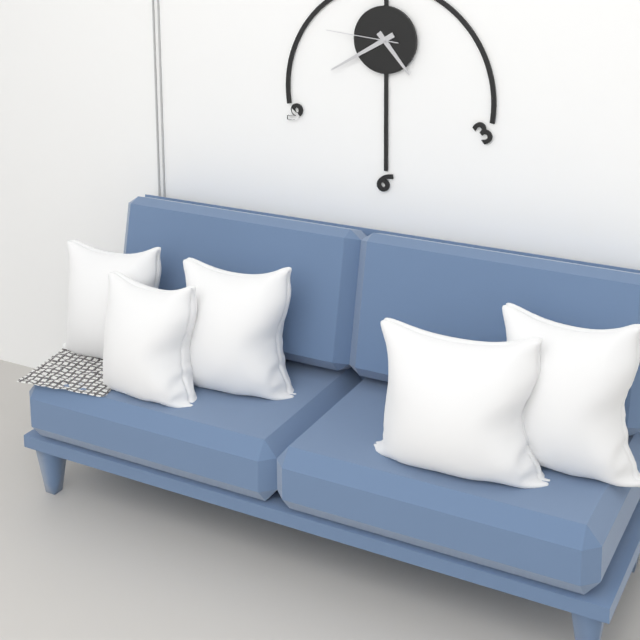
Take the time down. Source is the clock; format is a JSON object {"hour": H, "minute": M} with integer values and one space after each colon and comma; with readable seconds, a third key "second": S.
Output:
{"hour": 4, "minute": 40, "second": 46}
